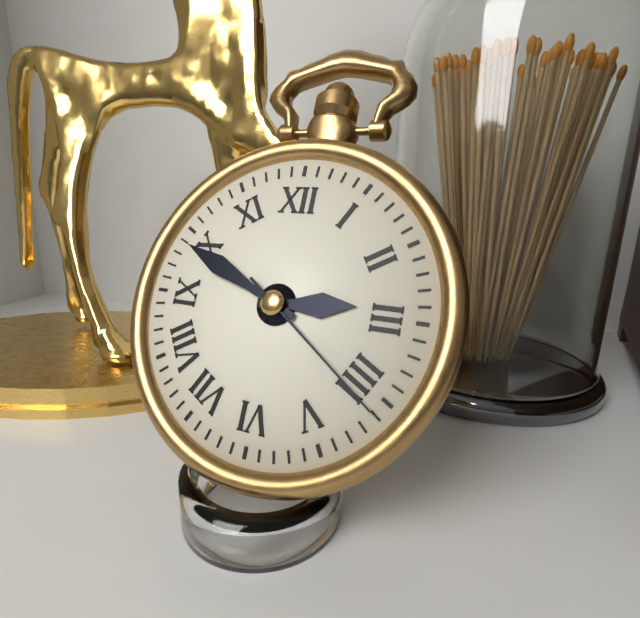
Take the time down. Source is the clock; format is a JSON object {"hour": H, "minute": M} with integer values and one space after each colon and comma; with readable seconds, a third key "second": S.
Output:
{"hour": 2, "minute": 49, "second": 21}
